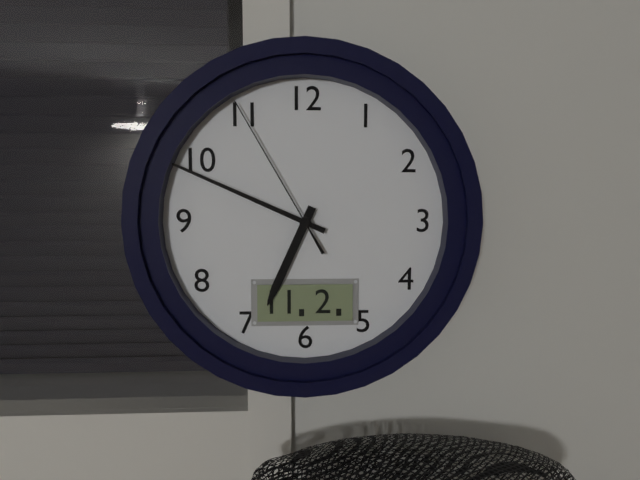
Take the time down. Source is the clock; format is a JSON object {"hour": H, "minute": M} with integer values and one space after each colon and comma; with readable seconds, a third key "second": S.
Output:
{"hour": 6, "minute": 49, "second": 55}
